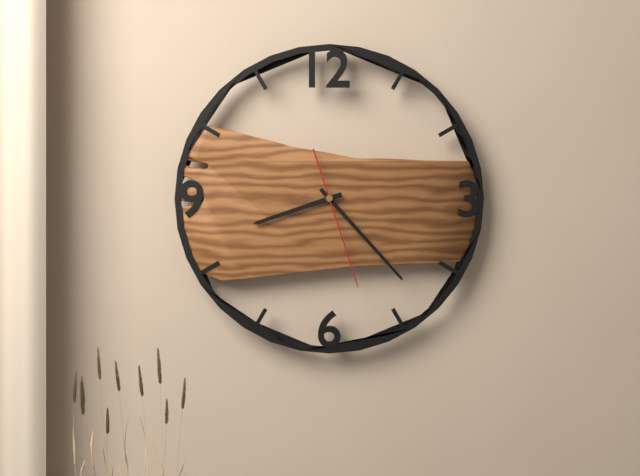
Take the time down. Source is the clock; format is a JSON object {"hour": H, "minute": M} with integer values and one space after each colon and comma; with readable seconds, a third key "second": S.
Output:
{"hour": 8, "minute": 23, "second": 27}
